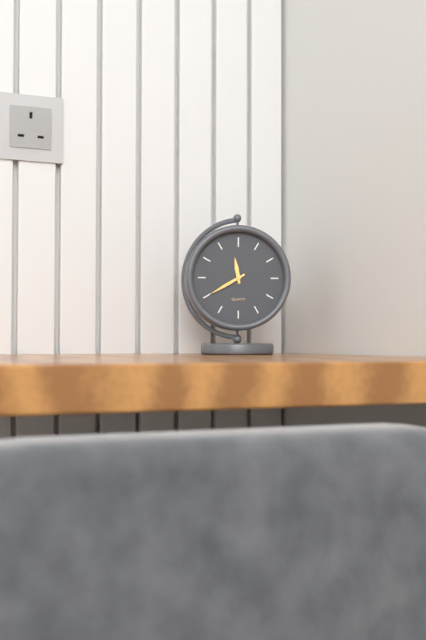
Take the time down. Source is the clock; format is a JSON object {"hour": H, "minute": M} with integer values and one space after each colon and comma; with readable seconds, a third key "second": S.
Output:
{"hour": 11, "minute": 40}
